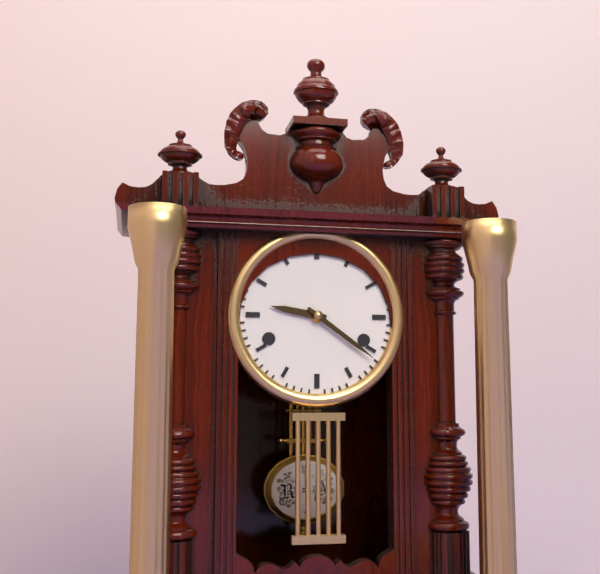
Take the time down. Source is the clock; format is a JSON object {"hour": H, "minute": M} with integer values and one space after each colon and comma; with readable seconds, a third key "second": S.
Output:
{"hour": 9, "minute": 21}
